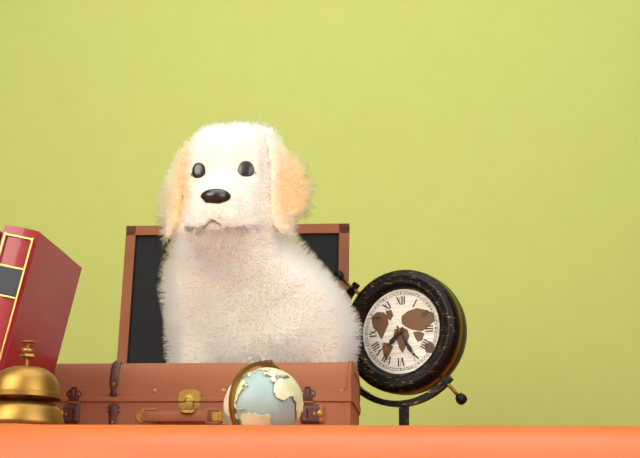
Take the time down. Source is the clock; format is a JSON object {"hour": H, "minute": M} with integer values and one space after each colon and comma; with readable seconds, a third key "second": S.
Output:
{"hour": 7, "minute": 25}
